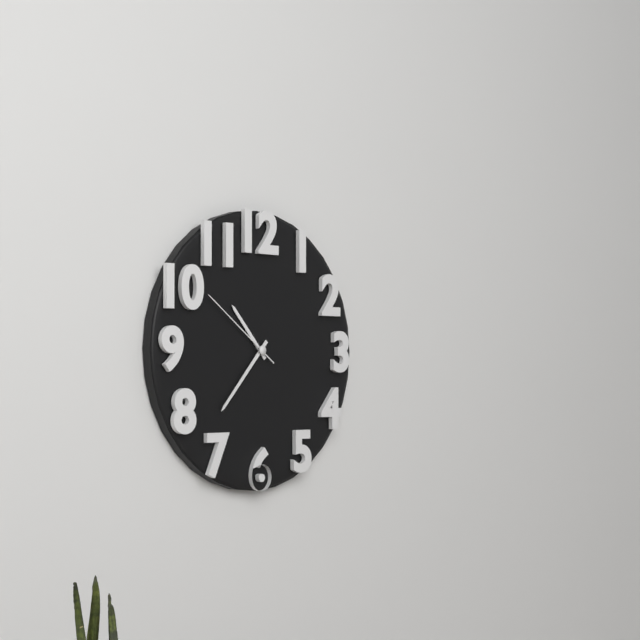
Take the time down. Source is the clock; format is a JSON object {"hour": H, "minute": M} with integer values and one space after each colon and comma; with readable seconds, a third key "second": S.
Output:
{"hour": 10, "minute": 37, "second": 51}
